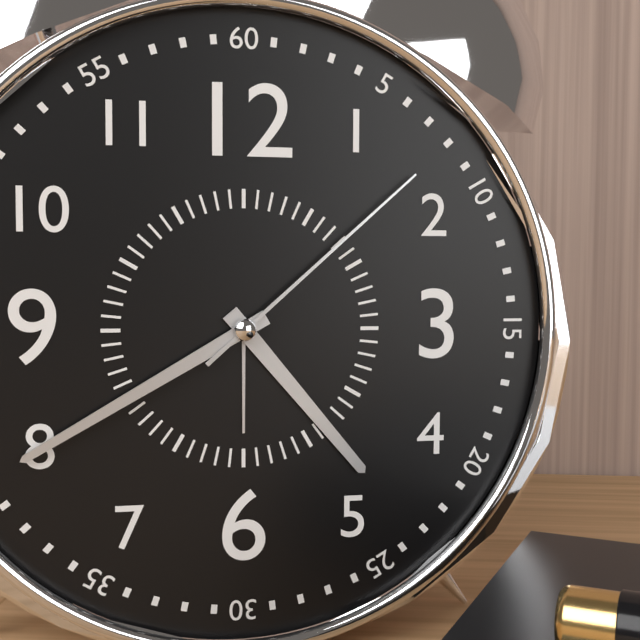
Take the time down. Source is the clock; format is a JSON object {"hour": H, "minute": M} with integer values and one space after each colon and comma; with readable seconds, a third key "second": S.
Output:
{"hour": 4, "minute": 40, "second": 8}
